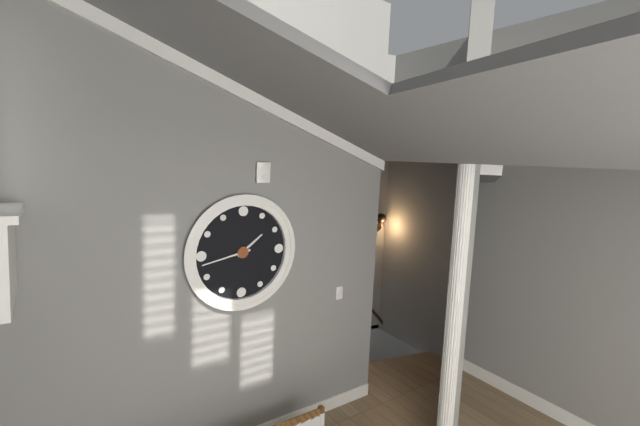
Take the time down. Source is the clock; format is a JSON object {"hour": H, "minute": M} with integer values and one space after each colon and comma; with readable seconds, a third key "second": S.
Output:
{"hour": 1, "minute": 43}
